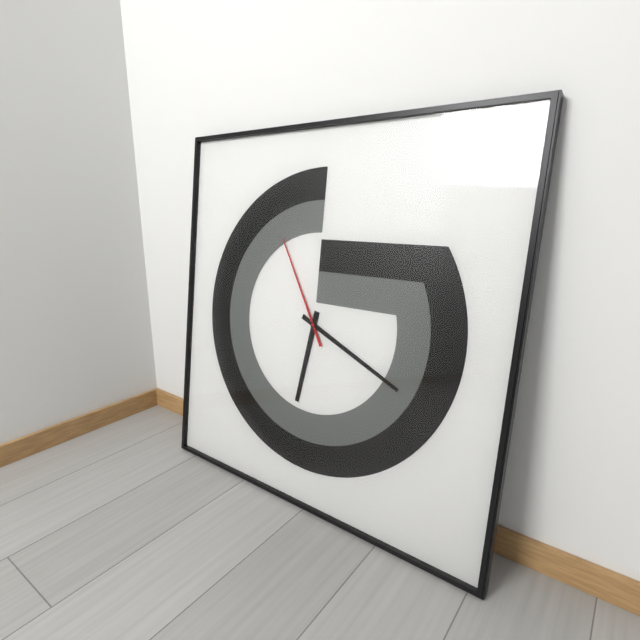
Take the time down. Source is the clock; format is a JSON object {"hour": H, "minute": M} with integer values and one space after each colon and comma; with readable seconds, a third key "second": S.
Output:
{"hour": 6, "minute": 19, "second": 55}
